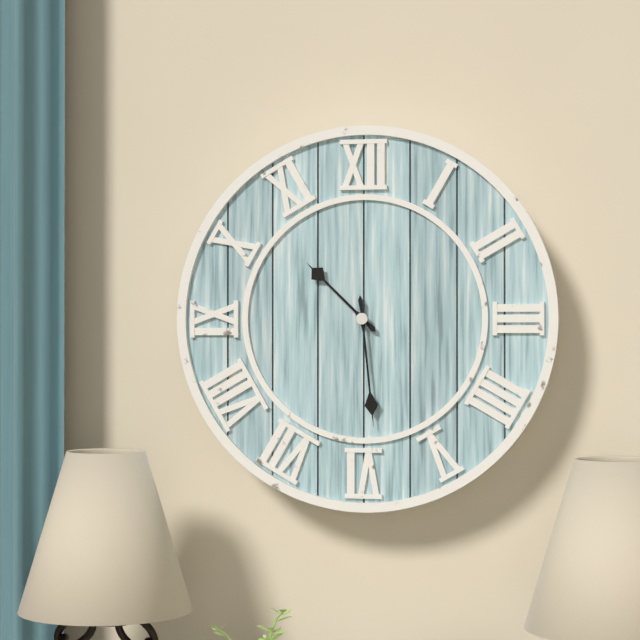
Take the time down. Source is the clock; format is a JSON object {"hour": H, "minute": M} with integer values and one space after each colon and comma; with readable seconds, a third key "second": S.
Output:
{"hour": 10, "minute": 29}
